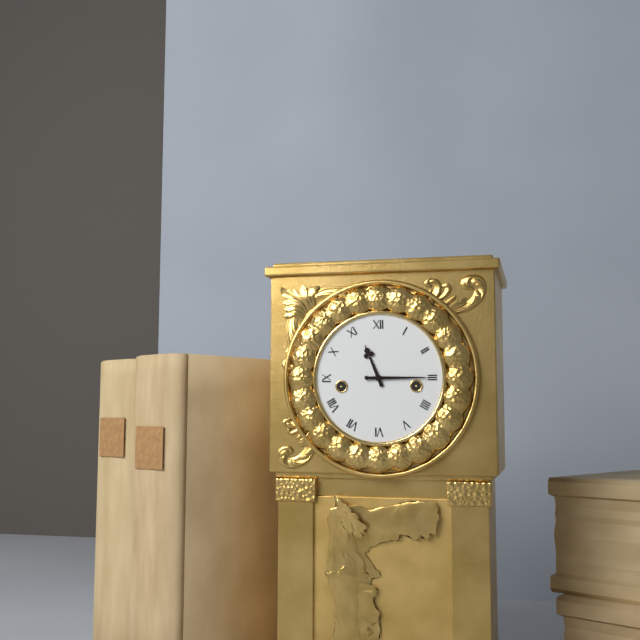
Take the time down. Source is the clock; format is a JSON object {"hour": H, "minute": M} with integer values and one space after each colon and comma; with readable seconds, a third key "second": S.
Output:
{"hour": 11, "minute": 15}
